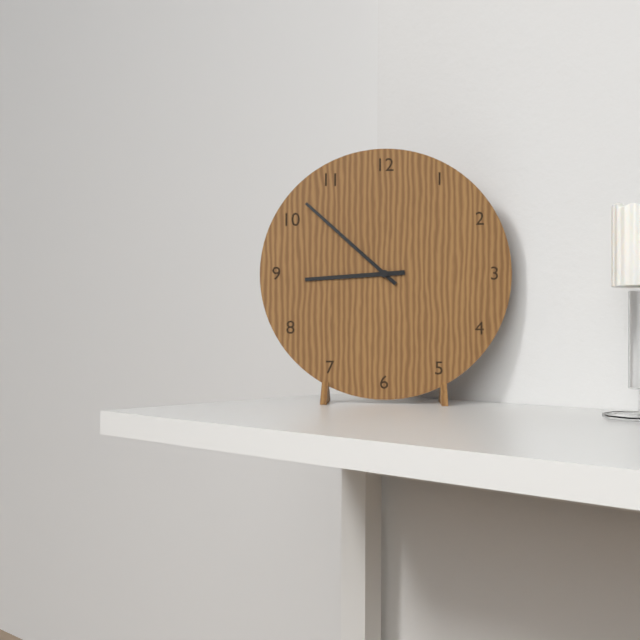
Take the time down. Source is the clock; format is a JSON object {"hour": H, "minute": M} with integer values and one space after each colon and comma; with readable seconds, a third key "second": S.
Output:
{"hour": 8, "minute": 52}
